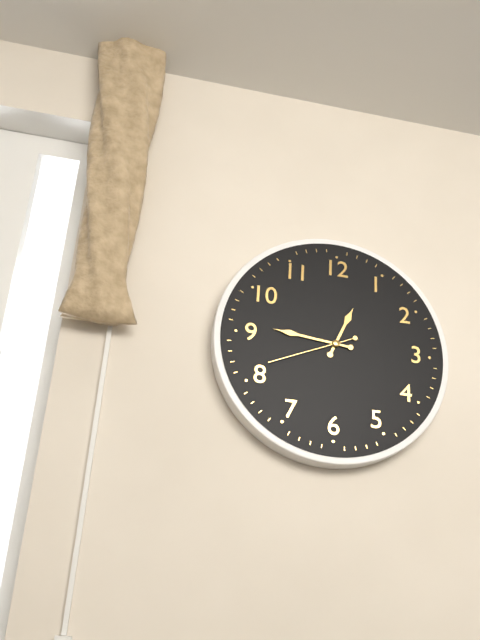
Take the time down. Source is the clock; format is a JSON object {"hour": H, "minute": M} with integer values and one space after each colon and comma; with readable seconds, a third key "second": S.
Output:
{"hour": 12, "minute": 46, "second": 41}
